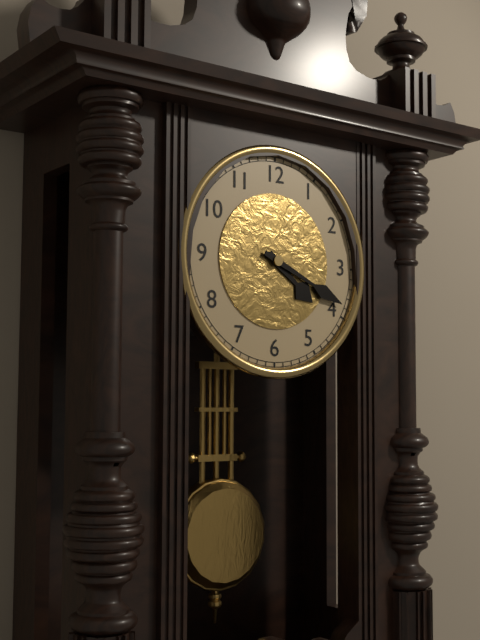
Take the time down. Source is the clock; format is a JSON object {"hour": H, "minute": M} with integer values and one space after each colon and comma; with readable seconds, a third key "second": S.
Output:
{"hour": 4, "minute": 19}
